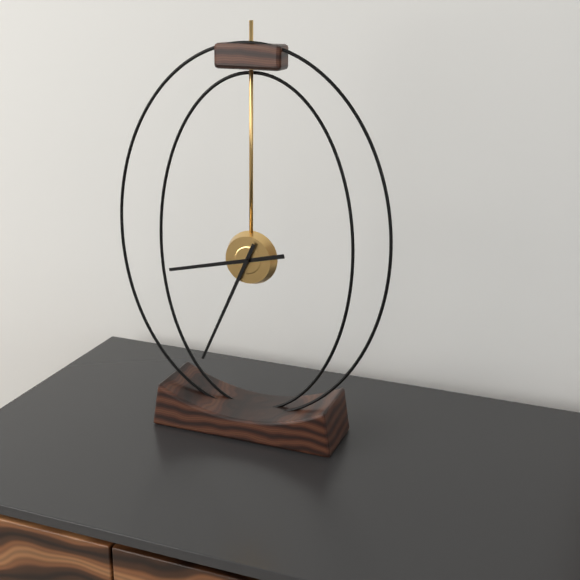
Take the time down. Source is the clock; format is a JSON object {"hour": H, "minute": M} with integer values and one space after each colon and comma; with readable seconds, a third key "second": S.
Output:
{"hour": 8, "minute": 34}
